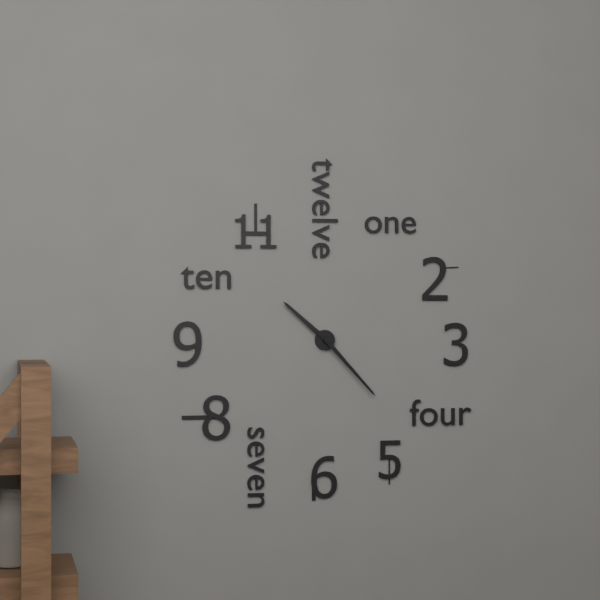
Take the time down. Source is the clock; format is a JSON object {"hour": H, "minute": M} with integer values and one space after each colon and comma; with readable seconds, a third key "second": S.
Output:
{"hour": 10, "minute": 23}
